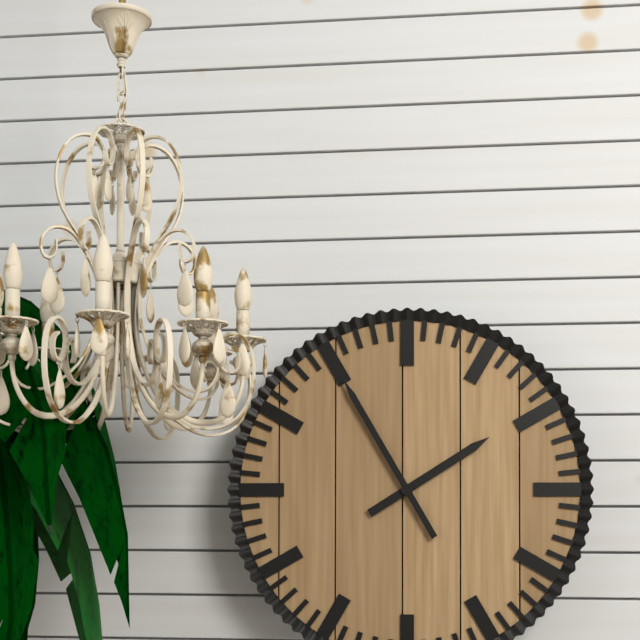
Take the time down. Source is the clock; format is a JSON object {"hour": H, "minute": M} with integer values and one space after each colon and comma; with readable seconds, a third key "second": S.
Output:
{"hour": 1, "minute": 55}
